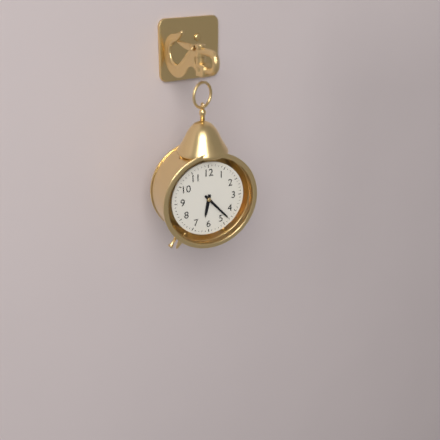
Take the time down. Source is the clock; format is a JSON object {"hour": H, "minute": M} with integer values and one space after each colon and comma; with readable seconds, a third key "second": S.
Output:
{"hour": 6, "minute": 23}
